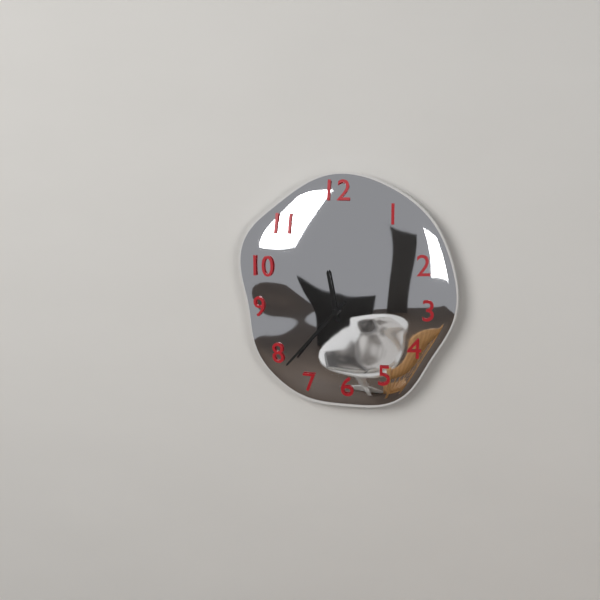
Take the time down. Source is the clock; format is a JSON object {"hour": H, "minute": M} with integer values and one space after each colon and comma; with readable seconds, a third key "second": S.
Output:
{"hour": 11, "minute": 37}
